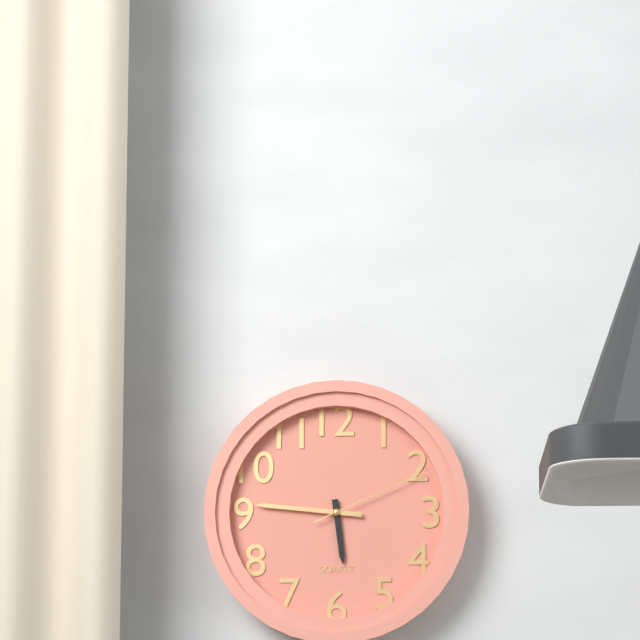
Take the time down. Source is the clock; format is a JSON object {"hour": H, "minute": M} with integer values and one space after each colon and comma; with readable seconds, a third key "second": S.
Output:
{"hour": 5, "minute": 46, "second": 11}
